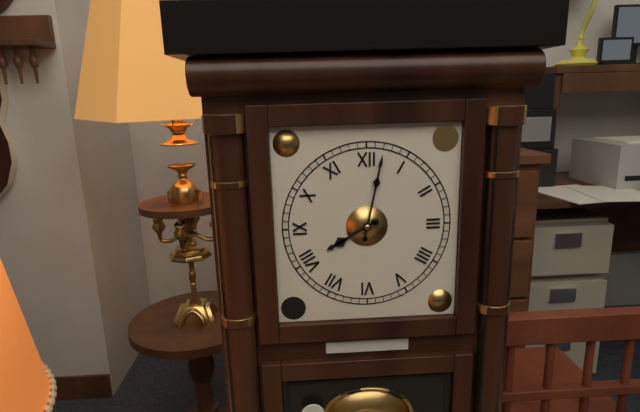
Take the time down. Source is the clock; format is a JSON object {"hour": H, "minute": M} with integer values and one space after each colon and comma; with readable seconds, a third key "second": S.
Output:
{"hour": 8, "minute": 2}
